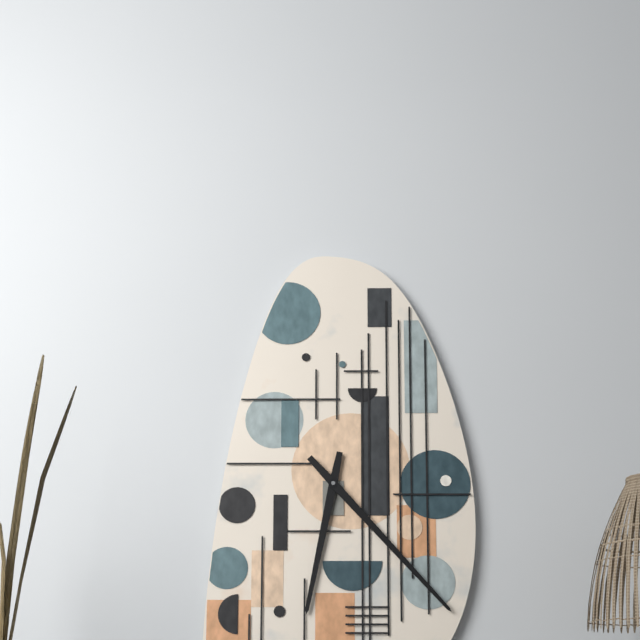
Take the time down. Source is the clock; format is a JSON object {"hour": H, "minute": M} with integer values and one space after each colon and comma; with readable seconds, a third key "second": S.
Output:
{"hour": 6, "minute": 23}
